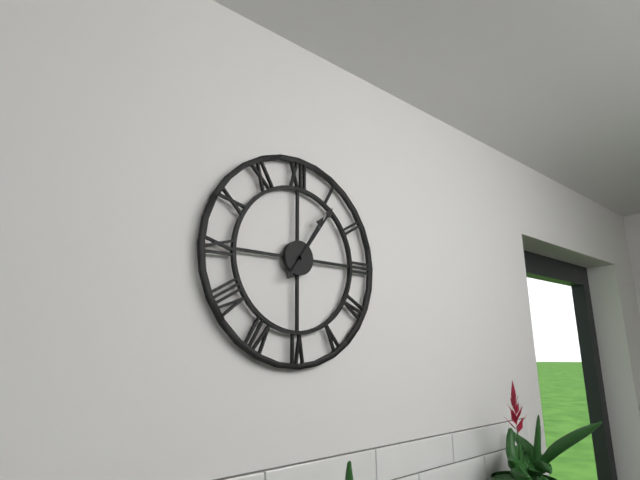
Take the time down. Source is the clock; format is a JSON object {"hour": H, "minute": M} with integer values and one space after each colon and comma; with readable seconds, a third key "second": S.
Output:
{"hour": 1, "minute": 6}
